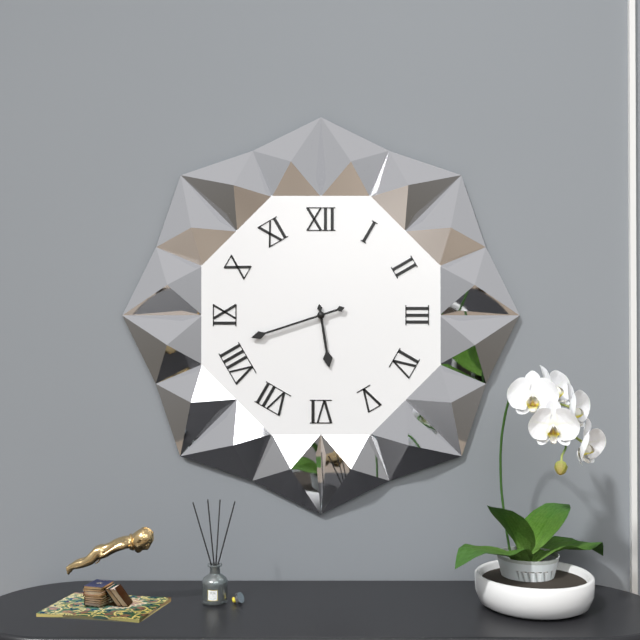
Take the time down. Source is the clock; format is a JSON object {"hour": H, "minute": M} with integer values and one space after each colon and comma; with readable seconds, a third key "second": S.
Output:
{"hour": 5, "minute": 42}
